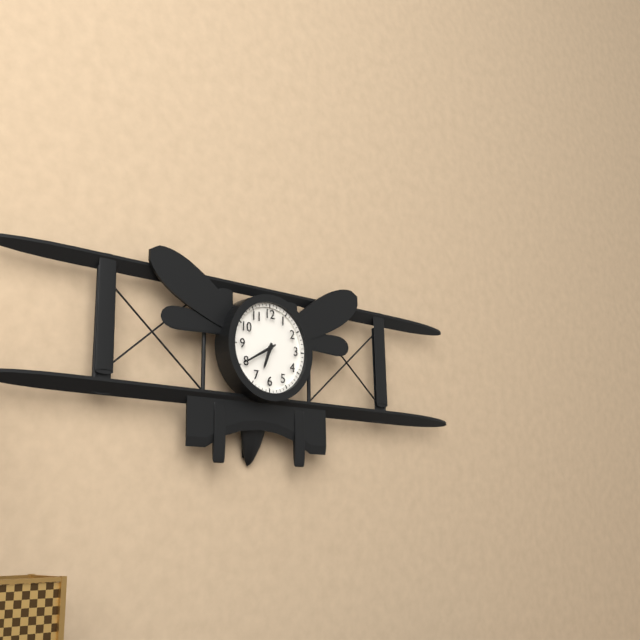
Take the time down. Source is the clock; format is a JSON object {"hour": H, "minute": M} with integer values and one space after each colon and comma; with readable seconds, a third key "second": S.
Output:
{"hour": 6, "minute": 40}
